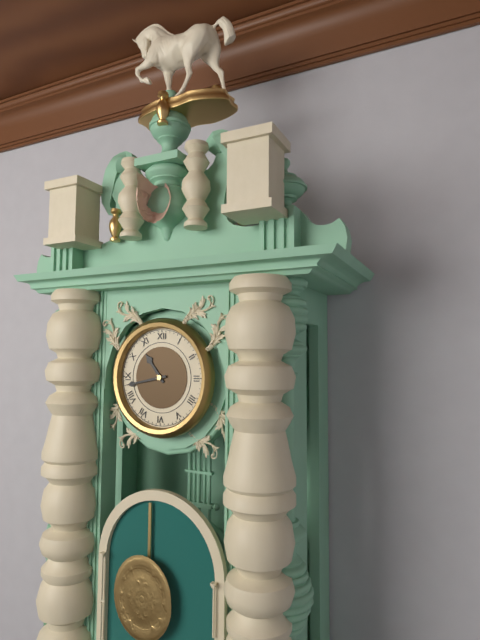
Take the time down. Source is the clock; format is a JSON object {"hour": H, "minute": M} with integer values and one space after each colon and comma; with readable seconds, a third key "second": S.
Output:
{"hour": 10, "minute": 43}
